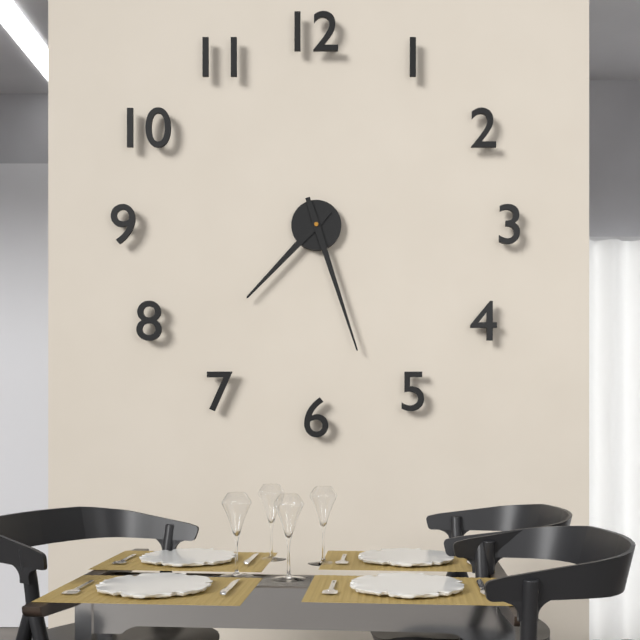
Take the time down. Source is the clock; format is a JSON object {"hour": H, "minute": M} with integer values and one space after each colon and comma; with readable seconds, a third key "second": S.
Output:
{"hour": 7, "minute": 27}
